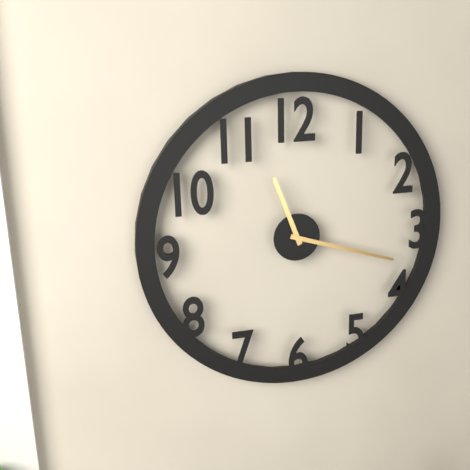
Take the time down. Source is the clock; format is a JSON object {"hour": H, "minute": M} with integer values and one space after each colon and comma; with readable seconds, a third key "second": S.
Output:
{"hour": 11, "minute": 18}
